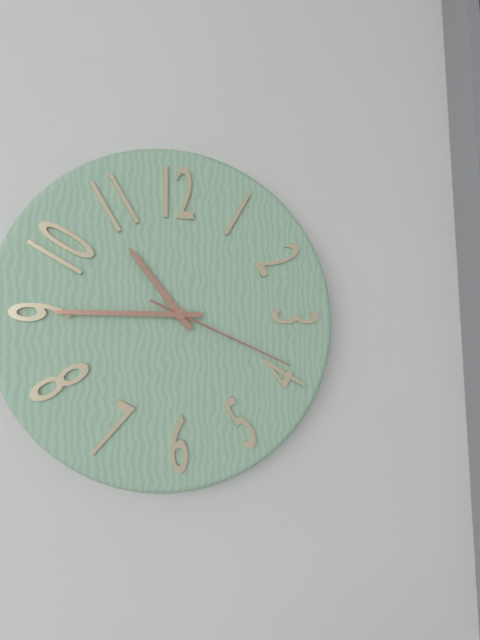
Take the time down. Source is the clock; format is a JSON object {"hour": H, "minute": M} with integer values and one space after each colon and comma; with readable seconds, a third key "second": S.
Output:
{"hour": 10, "minute": 45, "second": 19}
